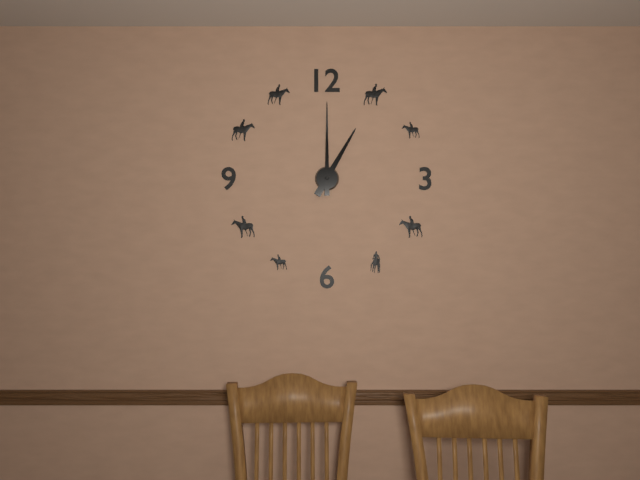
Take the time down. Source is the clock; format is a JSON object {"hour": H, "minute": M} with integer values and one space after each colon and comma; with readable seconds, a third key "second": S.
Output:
{"hour": 1, "minute": 0}
